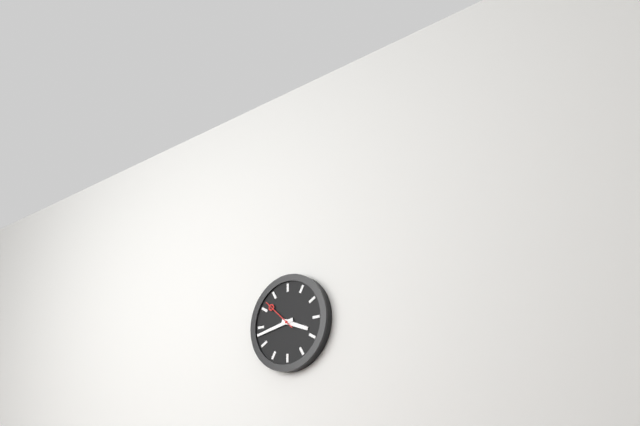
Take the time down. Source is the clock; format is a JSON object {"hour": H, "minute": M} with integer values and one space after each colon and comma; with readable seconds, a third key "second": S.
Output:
{"hour": 3, "minute": 43}
